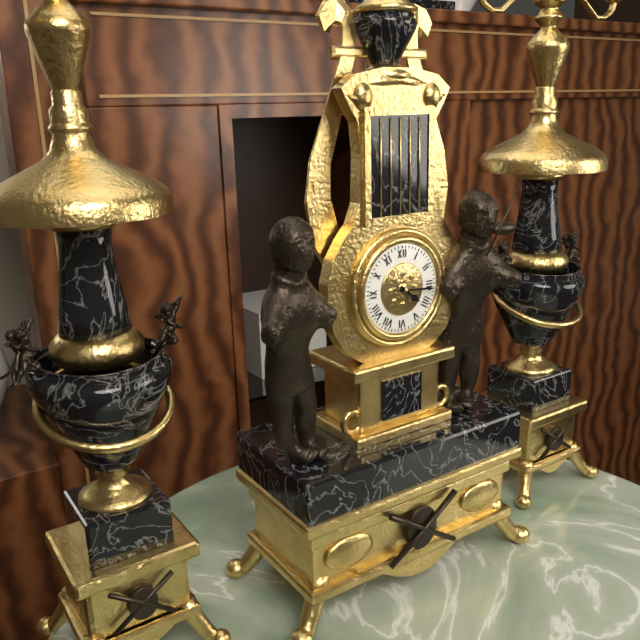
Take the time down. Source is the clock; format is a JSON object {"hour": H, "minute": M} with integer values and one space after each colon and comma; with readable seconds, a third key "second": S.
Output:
{"hour": 4, "minute": 16}
